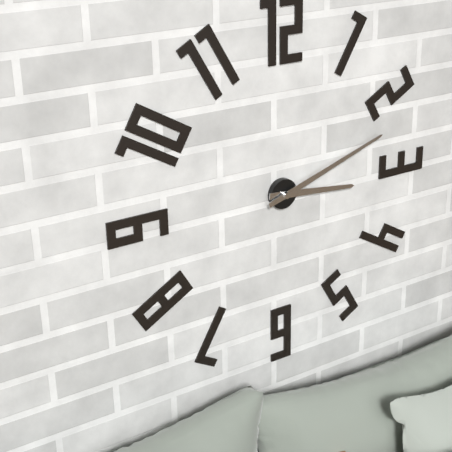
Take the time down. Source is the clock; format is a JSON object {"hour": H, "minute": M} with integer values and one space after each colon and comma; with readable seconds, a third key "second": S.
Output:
{"hour": 3, "minute": 12}
